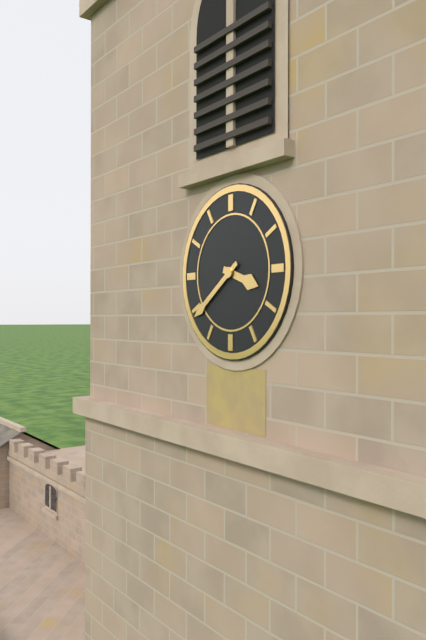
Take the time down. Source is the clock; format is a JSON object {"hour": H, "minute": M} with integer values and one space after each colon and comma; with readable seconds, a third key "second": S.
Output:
{"hour": 3, "minute": 39}
